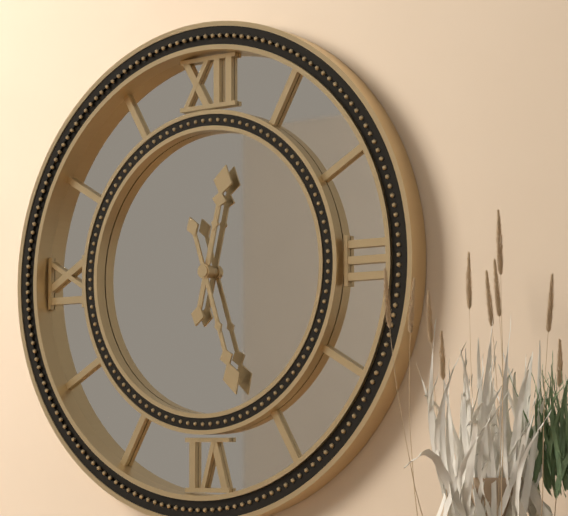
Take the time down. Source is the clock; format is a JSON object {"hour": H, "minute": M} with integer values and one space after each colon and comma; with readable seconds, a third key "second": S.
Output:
{"hour": 12, "minute": 27}
